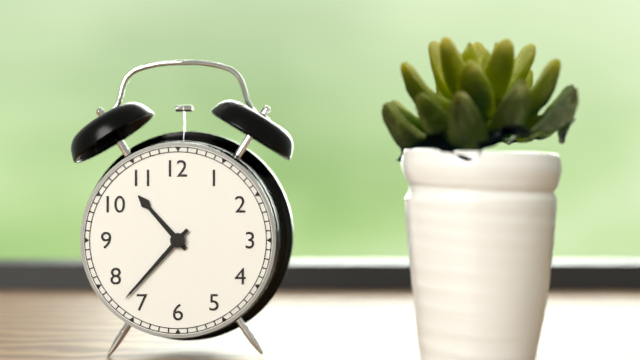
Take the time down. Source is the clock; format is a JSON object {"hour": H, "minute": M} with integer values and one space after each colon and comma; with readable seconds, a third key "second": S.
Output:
{"hour": 10, "minute": 37}
